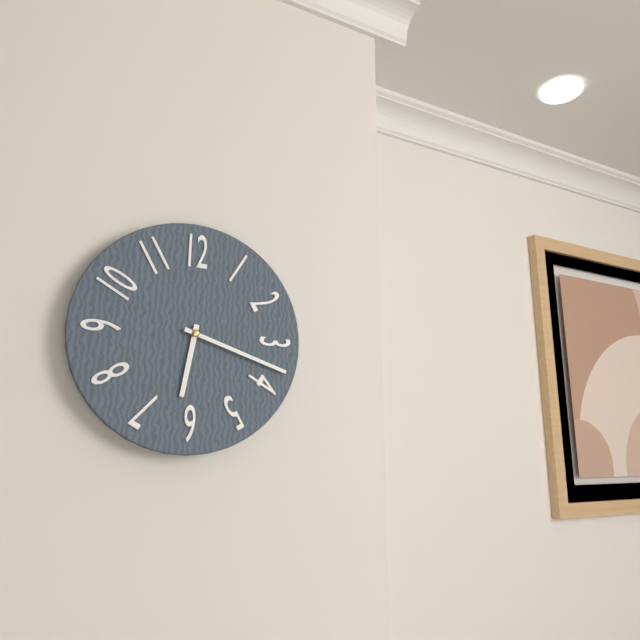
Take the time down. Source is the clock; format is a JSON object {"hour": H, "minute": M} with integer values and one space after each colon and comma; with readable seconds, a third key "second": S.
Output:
{"hour": 6, "minute": 18}
